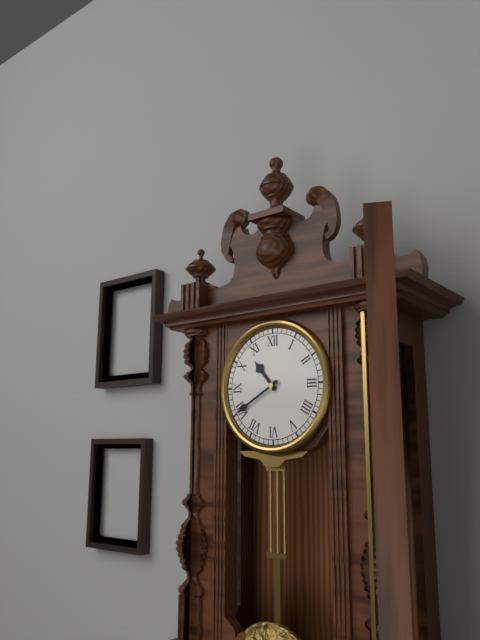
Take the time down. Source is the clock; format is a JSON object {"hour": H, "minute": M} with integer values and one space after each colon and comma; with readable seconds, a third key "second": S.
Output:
{"hour": 10, "minute": 40}
